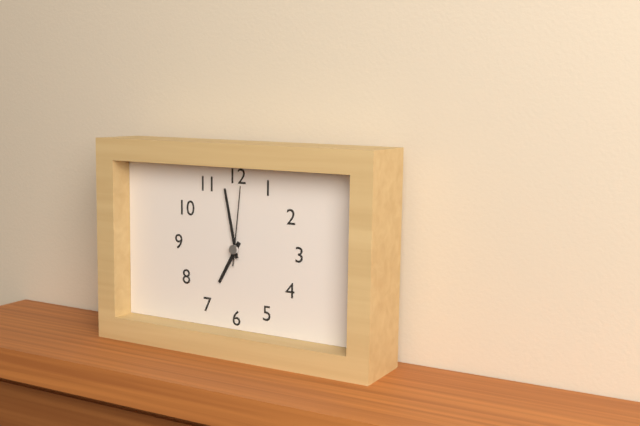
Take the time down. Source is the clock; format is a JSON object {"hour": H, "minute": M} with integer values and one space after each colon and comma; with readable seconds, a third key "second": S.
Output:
{"hour": 6, "minute": 58, "second": 1}
